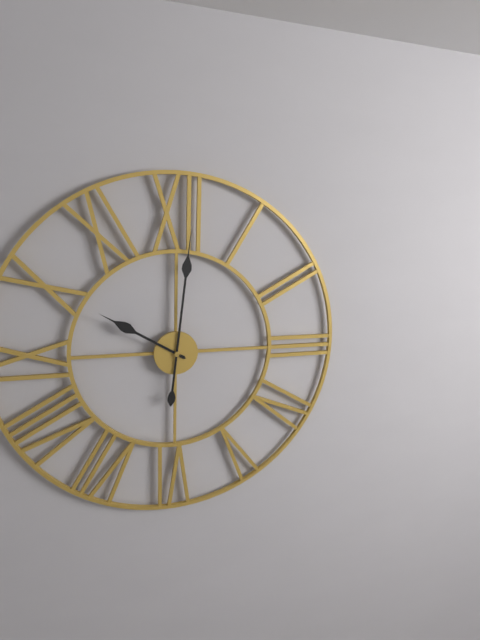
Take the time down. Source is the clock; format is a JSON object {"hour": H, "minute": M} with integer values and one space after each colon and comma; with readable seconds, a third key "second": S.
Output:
{"hour": 10, "minute": 1}
